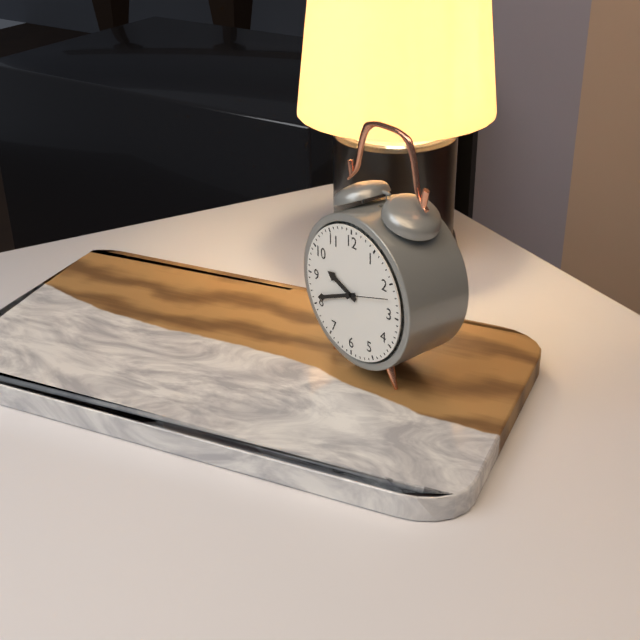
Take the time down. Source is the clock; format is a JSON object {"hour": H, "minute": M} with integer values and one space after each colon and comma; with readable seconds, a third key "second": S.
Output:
{"hour": 9, "minute": 41}
